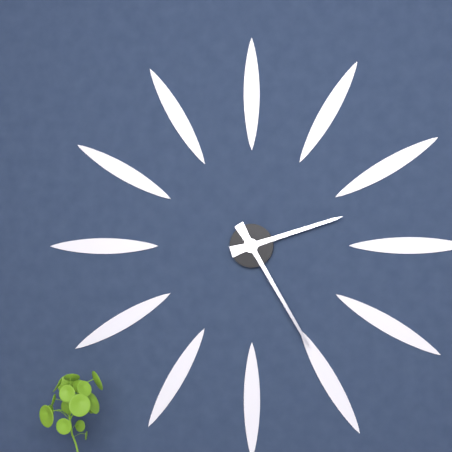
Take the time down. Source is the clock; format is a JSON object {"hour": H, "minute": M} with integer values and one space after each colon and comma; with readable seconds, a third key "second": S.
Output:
{"hour": 2, "minute": 25}
